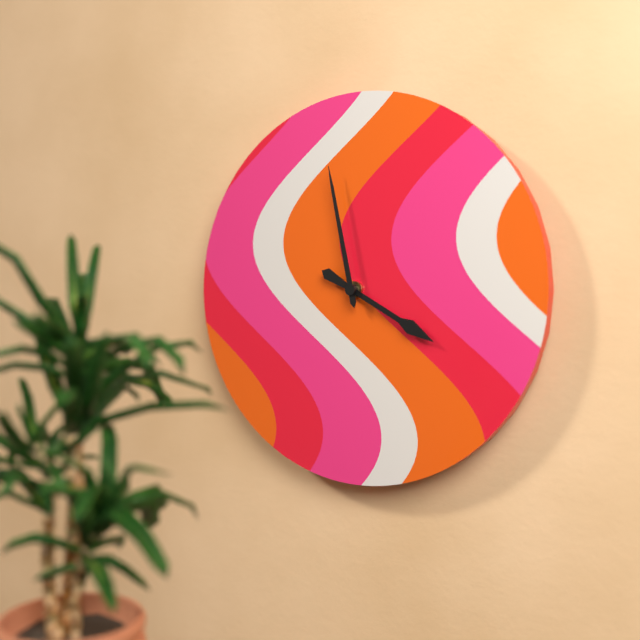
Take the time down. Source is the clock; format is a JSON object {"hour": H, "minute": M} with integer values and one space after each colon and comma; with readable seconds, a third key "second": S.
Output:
{"hour": 3, "minute": 58}
